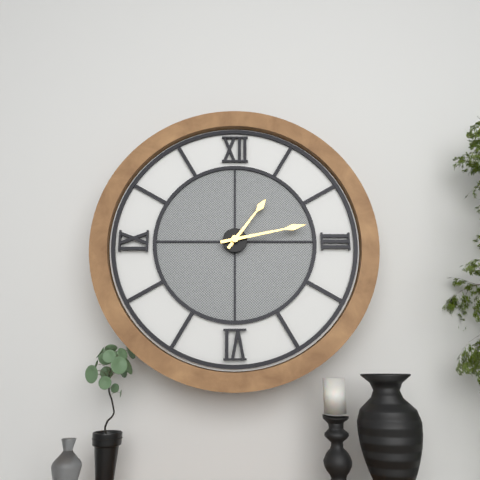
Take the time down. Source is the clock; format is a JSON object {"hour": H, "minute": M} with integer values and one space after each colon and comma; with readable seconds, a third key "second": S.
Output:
{"hour": 1, "minute": 13}
